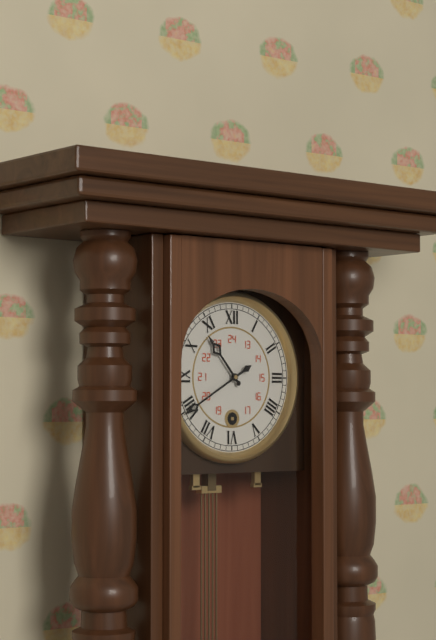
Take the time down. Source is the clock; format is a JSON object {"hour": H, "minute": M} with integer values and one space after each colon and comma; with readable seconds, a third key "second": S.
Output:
{"hour": 10, "minute": 40}
